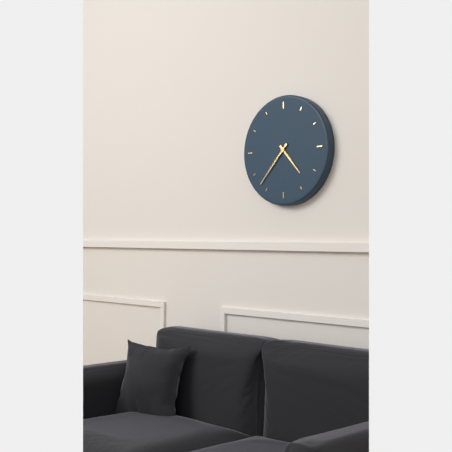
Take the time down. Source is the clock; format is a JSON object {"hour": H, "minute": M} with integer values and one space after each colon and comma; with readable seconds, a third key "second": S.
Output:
{"hour": 4, "minute": 37}
